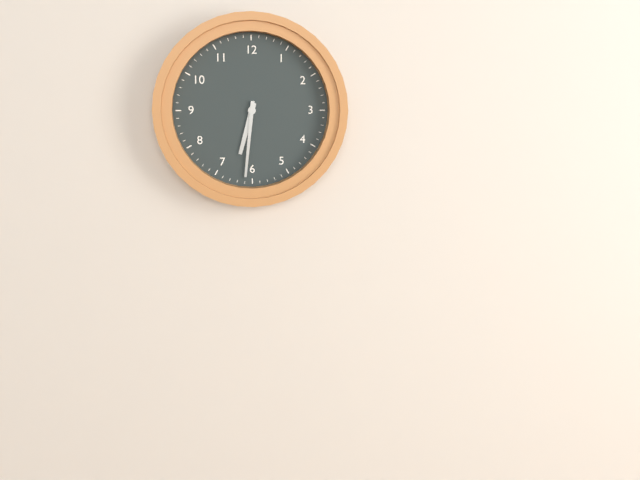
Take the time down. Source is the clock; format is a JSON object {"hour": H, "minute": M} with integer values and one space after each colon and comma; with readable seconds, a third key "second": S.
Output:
{"hour": 6, "minute": 31}
